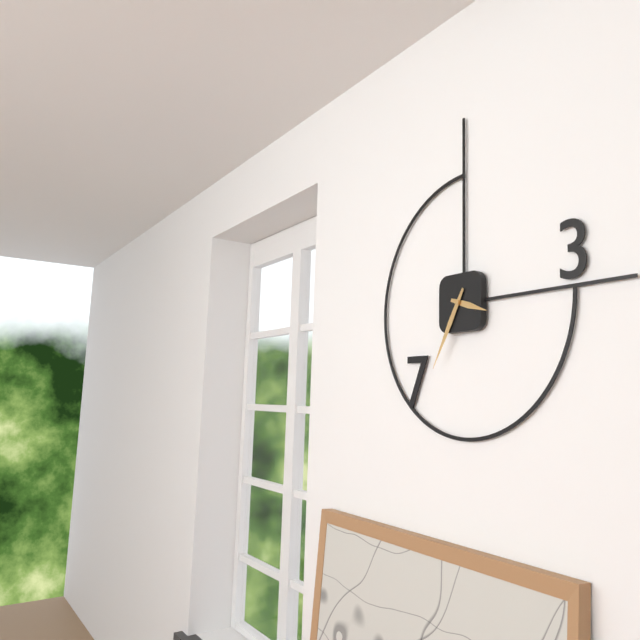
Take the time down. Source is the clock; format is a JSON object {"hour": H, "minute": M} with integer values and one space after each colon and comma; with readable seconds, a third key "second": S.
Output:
{"hour": 3, "minute": 35}
